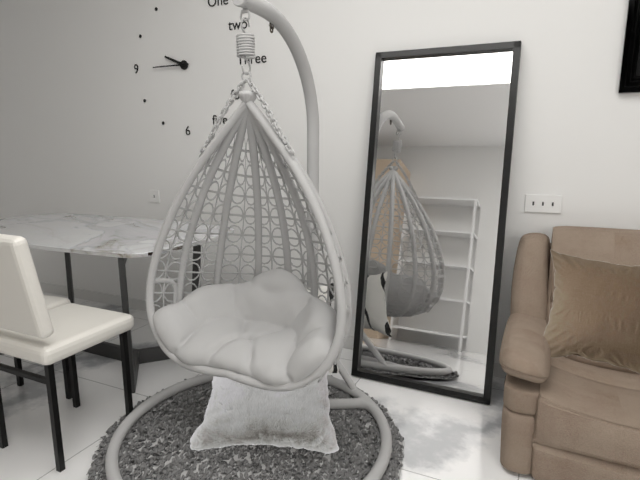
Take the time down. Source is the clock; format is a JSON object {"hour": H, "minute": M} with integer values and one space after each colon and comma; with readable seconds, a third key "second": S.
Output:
{"hour": 9, "minute": 45}
